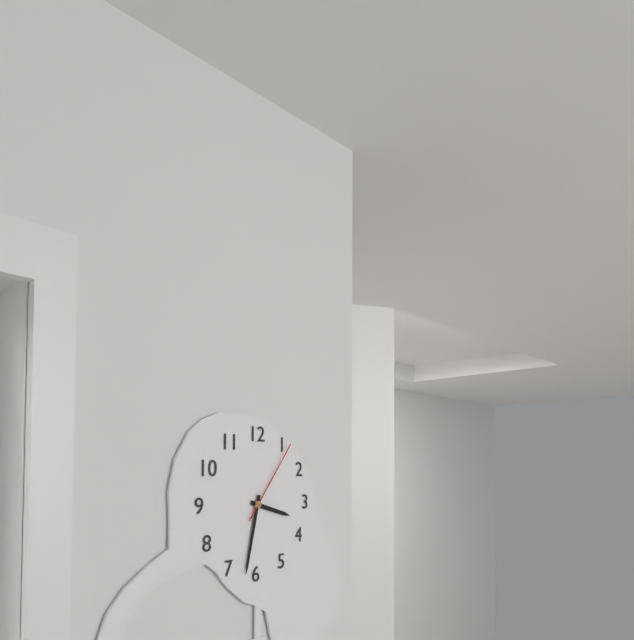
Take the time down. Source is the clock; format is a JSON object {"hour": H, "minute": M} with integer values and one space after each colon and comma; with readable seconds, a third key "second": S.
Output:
{"hour": 3, "minute": 32, "second": 6}
